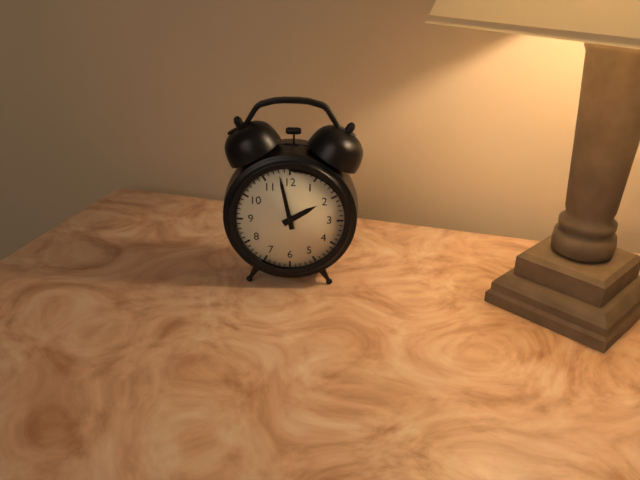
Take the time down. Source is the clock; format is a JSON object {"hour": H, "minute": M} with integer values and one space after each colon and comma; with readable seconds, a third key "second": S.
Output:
{"hour": 1, "minute": 58}
